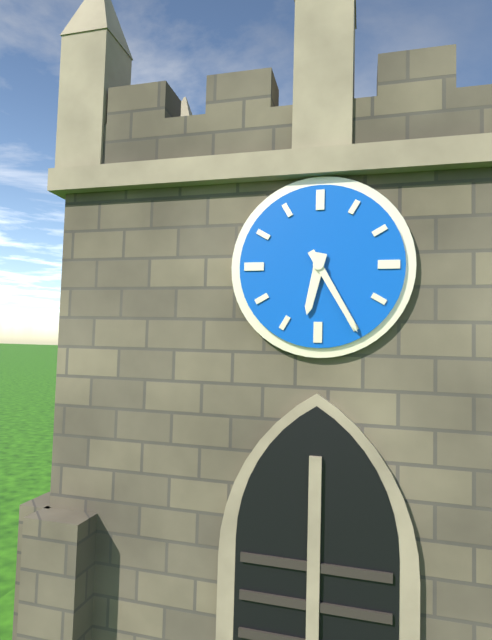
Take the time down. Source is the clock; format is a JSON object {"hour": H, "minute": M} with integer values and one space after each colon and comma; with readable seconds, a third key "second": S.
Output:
{"hour": 6, "minute": 25}
